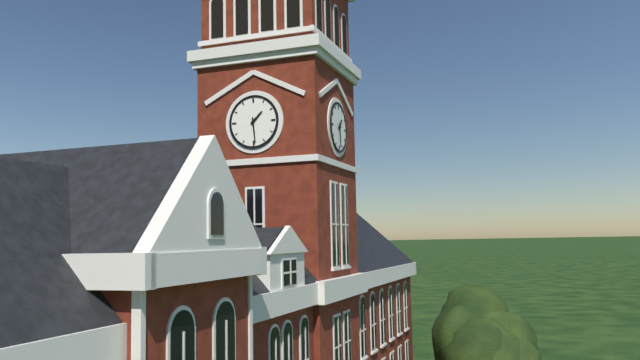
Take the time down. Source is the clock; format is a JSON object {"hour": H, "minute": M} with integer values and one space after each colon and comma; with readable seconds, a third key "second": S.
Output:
{"hour": 1, "minute": 29}
